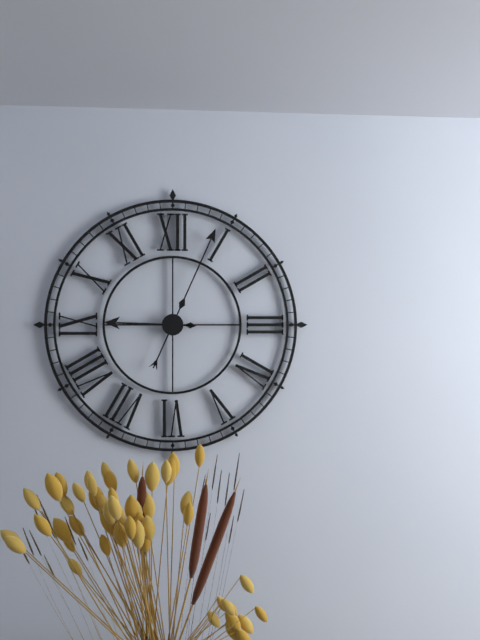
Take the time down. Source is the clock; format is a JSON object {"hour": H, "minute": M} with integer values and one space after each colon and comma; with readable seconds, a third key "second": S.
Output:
{"hour": 9, "minute": 4}
